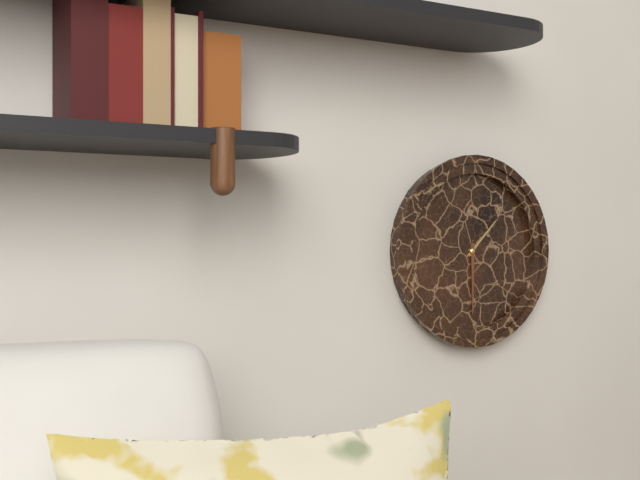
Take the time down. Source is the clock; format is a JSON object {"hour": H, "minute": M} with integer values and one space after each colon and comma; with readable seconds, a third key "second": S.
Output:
{"hour": 1, "minute": 30}
